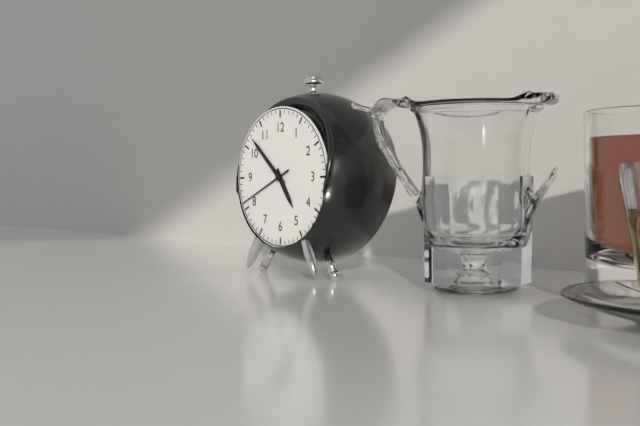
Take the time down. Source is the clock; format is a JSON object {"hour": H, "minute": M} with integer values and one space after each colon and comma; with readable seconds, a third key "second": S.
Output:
{"hour": 4, "minute": 52, "second": 41}
